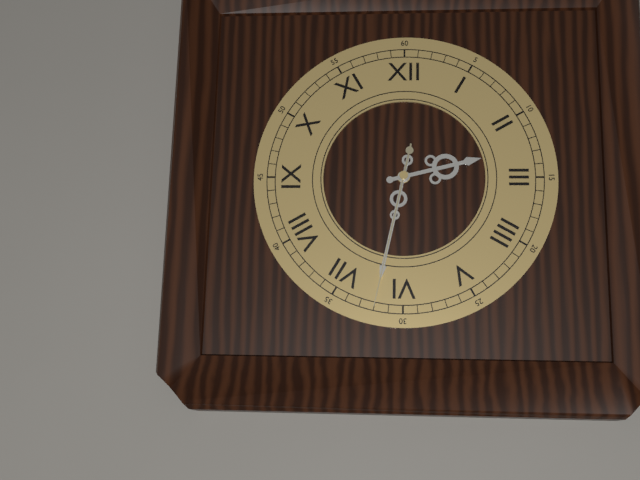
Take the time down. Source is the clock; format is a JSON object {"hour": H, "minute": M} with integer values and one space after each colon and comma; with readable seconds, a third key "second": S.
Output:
{"hour": 2, "minute": 32, "second": 32}
